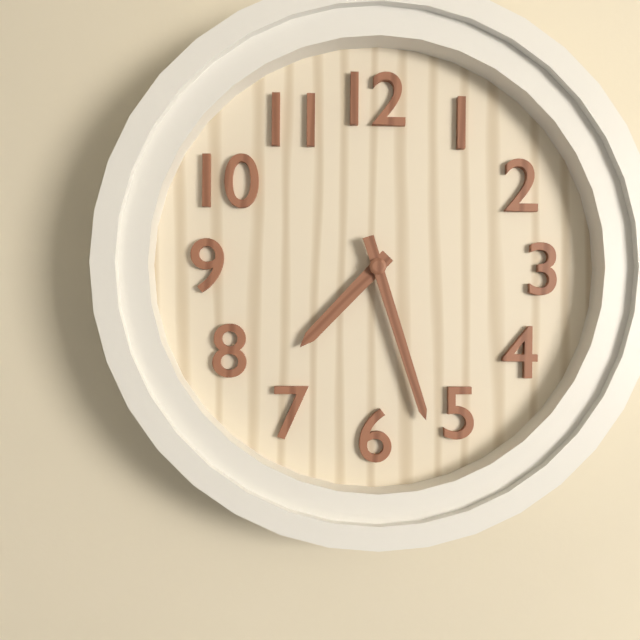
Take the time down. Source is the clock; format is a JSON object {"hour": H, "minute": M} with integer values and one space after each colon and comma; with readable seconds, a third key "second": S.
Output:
{"hour": 7, "minute": 27}
